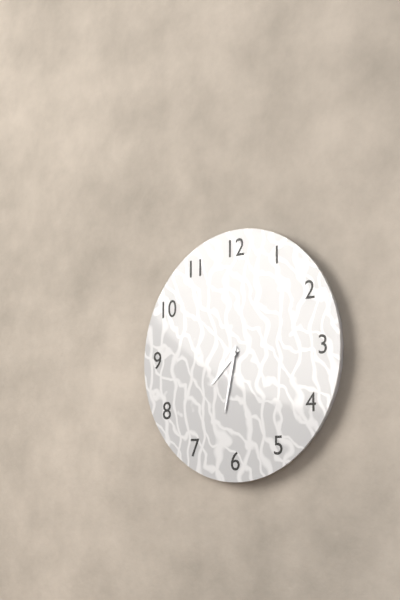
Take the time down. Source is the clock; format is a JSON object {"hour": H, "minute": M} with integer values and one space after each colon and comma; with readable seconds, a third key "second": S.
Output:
{"hour": 7, "minute": 32}
